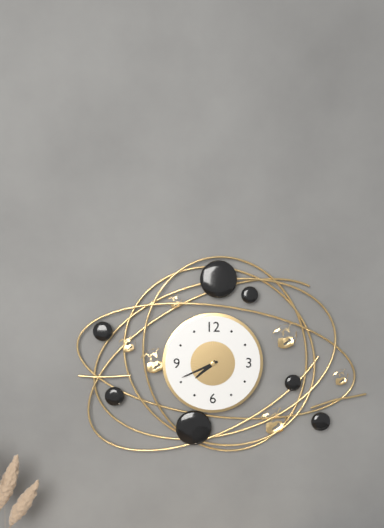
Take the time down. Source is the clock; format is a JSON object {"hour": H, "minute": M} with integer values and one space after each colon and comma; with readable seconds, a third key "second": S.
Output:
{"hour": 7, "minute": 41}
